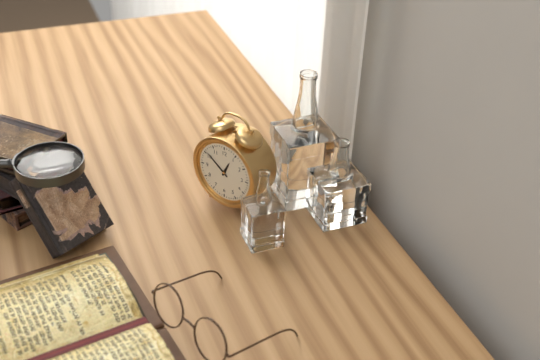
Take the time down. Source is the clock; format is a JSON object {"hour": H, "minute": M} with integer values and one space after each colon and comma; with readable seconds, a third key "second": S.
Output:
{"hour": 12, "minute": 51}
